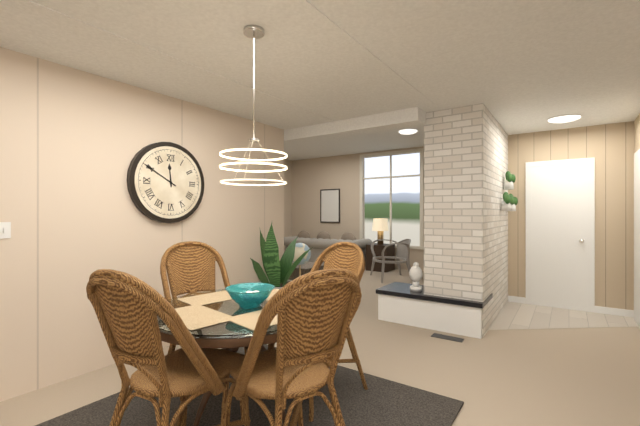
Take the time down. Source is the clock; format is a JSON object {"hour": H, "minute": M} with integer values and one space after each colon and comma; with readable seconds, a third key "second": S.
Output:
{"hour": 11, "minute": 50}
